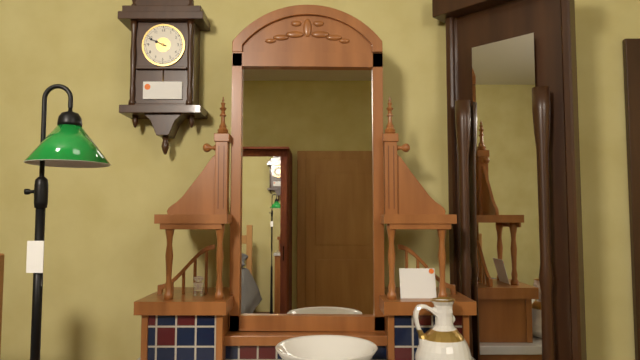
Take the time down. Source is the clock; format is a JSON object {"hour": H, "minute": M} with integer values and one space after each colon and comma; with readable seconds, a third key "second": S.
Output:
{"hour": 9, "minute": 49}
